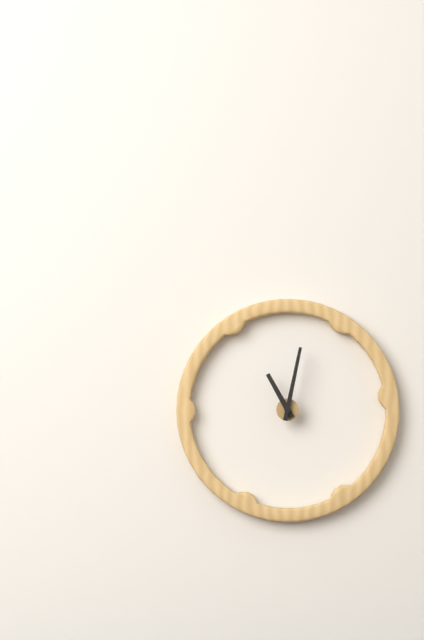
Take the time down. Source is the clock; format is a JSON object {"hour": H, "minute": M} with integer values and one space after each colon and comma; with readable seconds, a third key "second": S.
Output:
{"hour": 11, "minute": 2}
